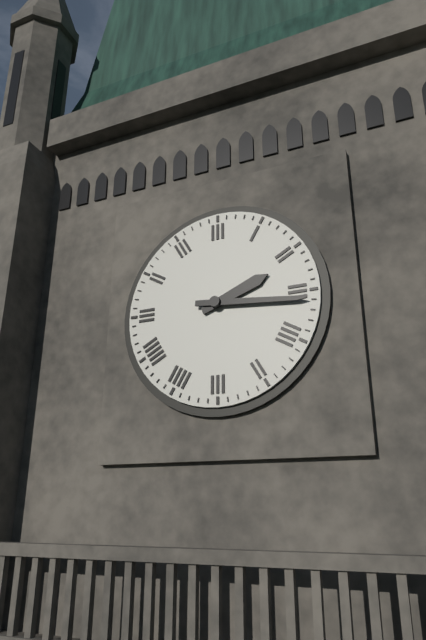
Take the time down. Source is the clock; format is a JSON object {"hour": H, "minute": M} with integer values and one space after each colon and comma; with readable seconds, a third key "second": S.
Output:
{"hour": 2, "minute": 16}
